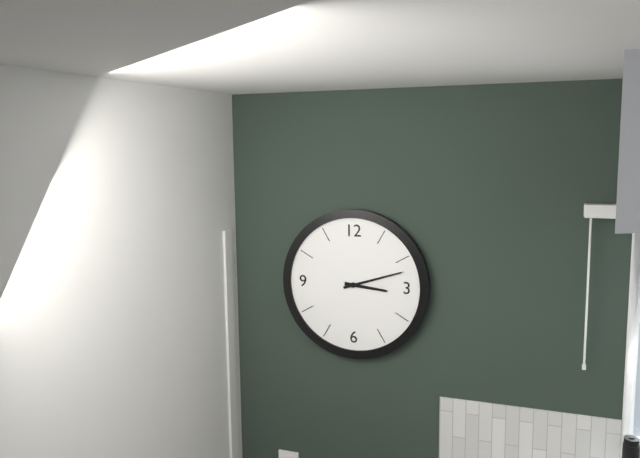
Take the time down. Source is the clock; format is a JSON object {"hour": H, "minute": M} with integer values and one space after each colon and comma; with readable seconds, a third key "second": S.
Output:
{"hour": 3, "minute": 12}
